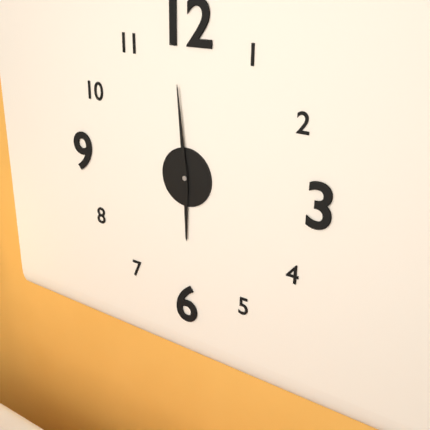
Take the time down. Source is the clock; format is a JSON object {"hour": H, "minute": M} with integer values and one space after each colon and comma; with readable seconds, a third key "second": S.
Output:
{"hour": 5, "minute": 59}
